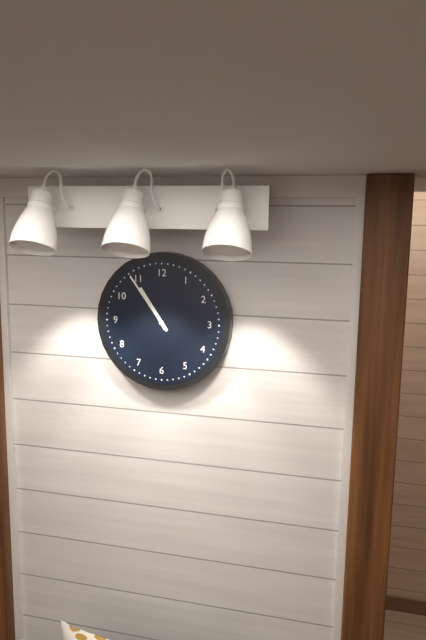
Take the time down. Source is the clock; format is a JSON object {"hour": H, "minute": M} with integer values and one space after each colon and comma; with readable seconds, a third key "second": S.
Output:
{"hour": 10, "minute": 54}
